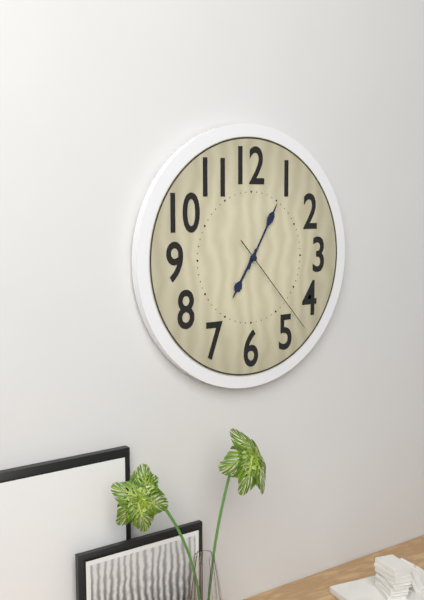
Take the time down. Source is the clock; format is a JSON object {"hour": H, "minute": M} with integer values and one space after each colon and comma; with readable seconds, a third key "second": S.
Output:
{"hour": 7, "minute": 5, "second": 23}
